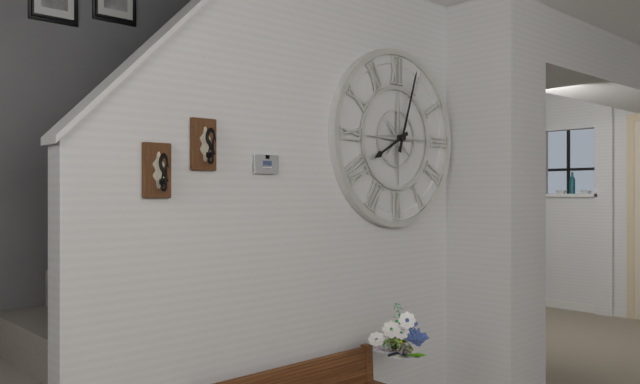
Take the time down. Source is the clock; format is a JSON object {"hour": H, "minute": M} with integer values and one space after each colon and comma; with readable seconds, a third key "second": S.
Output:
{"hour": 8, "minute": 3}
